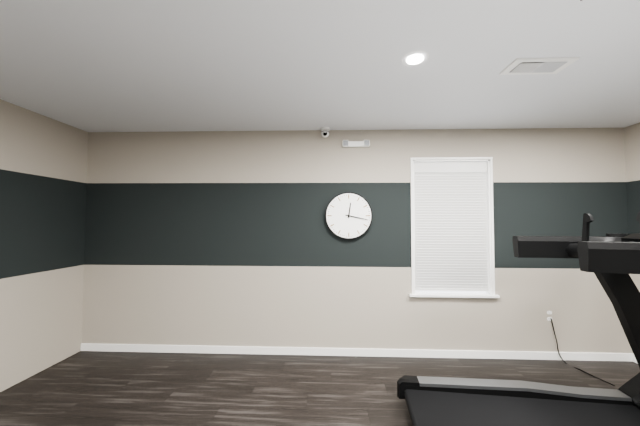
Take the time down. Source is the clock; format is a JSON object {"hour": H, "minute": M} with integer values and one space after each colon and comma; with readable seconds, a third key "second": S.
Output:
{"hour": 12, "minute": 17}
